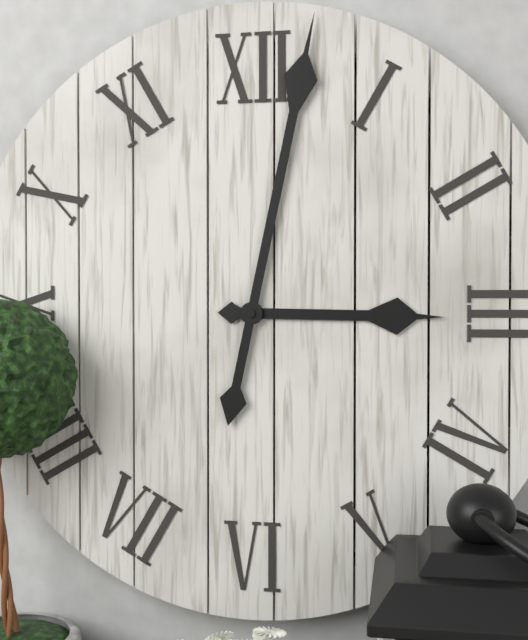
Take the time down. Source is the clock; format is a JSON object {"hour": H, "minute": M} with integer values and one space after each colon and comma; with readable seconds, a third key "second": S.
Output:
{"hour": 3, "minute": 2}
